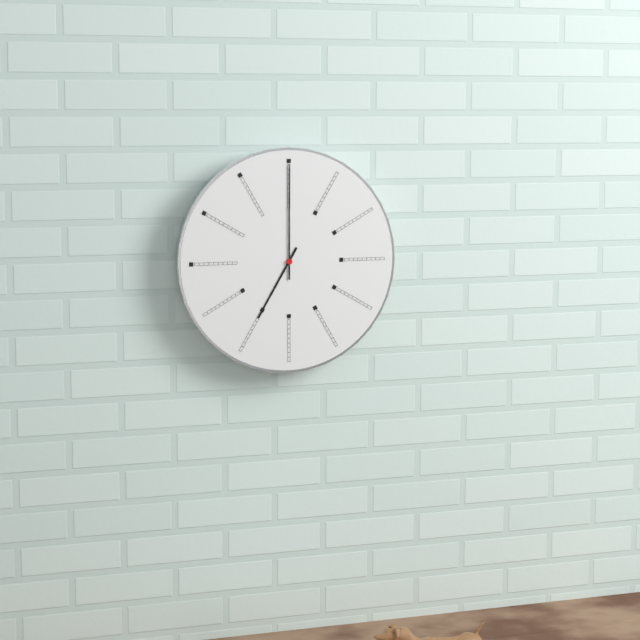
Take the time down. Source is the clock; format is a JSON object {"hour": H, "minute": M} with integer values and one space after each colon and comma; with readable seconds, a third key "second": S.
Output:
{"hour": 7, "minute": 0}
